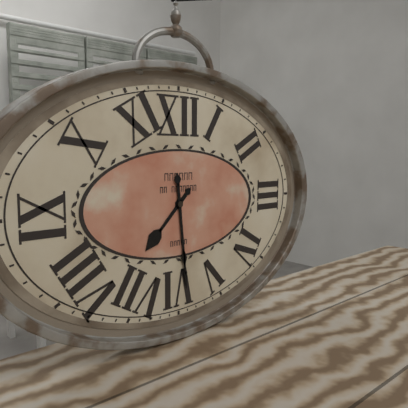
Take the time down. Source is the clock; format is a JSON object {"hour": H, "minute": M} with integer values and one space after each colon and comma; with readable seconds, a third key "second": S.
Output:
{"hour": 7, "minute": 29}
